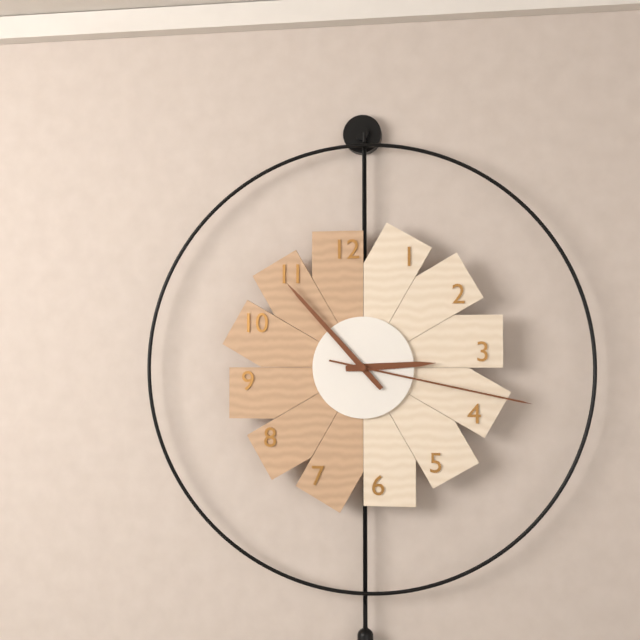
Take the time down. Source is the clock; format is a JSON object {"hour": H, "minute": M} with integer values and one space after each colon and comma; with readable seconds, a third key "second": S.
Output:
{"hour": 2, "minute": 53, "second": 17}
